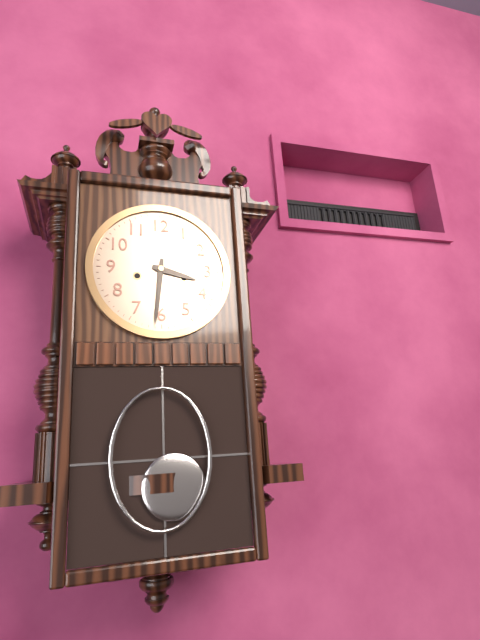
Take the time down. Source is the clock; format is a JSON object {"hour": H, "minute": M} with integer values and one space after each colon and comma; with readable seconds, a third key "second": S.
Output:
{"hour": 3, "minute": 31}
